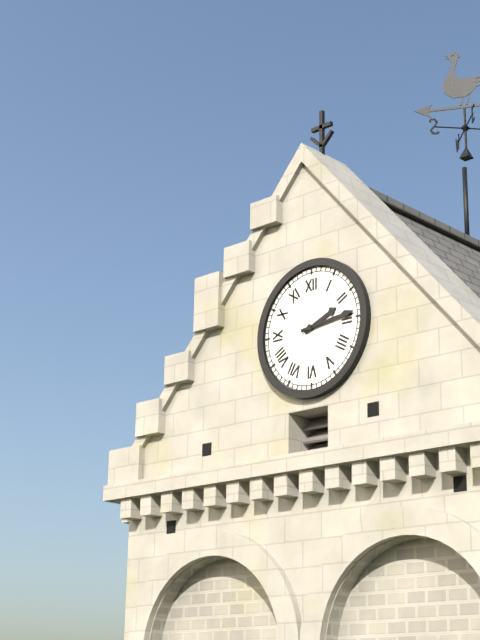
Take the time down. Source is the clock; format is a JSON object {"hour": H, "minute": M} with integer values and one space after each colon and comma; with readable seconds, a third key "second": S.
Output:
{"hour": 2, "minute": 14}
